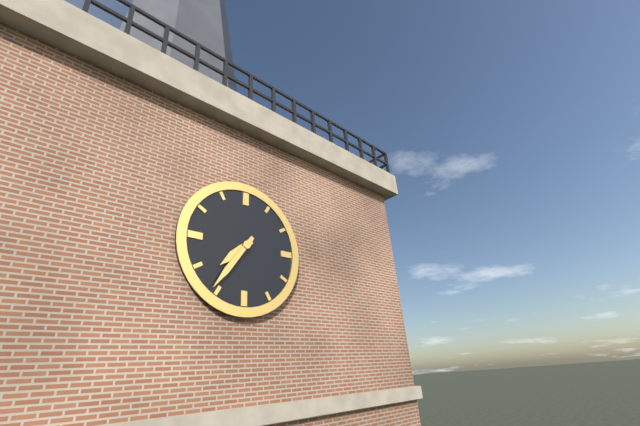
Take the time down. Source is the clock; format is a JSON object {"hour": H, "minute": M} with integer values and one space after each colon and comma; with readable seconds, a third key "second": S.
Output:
{"hour": 7, "minute": 36}
